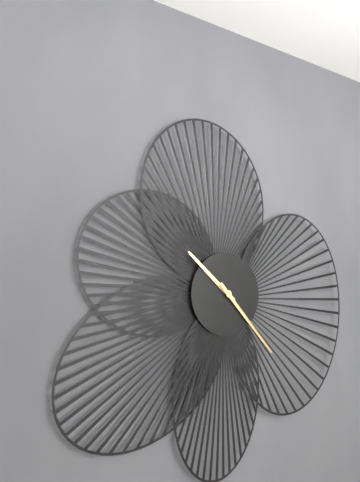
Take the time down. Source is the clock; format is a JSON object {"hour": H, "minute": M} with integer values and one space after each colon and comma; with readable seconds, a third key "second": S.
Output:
{"hour": 10, "minute": 23}
